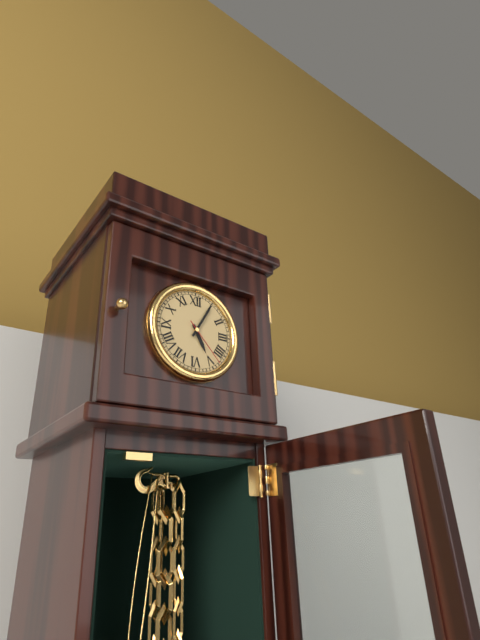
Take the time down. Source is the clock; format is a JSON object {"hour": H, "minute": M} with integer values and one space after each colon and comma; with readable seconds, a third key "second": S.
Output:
{"hour": 5, "minute": 5, "second": 23}
